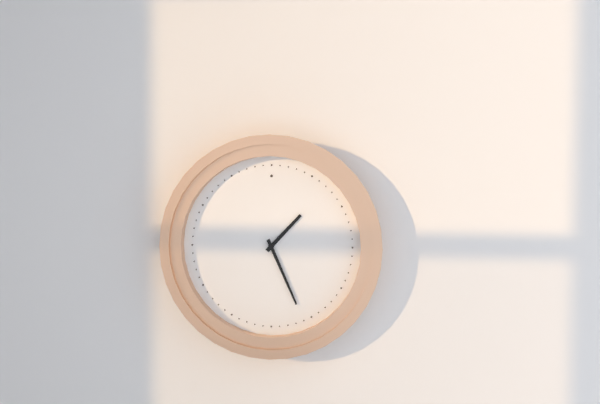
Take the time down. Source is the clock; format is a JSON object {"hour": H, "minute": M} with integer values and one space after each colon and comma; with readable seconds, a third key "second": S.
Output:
{"hour": 1, "minute": 26}
